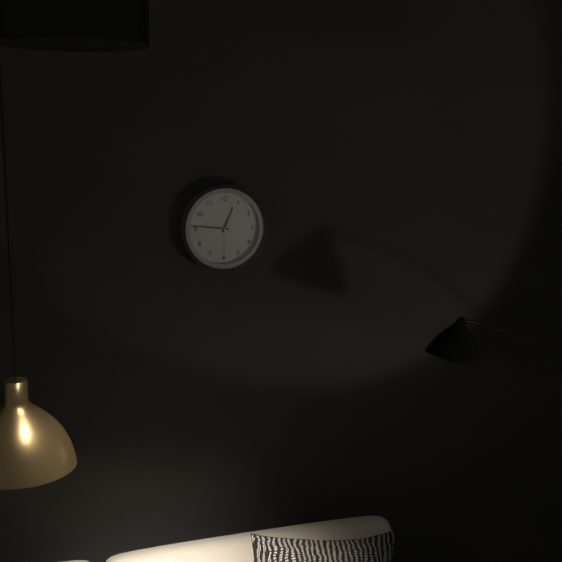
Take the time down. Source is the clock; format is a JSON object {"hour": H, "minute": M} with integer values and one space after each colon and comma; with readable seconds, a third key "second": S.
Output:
{"hour": 12, "minute": 46}
